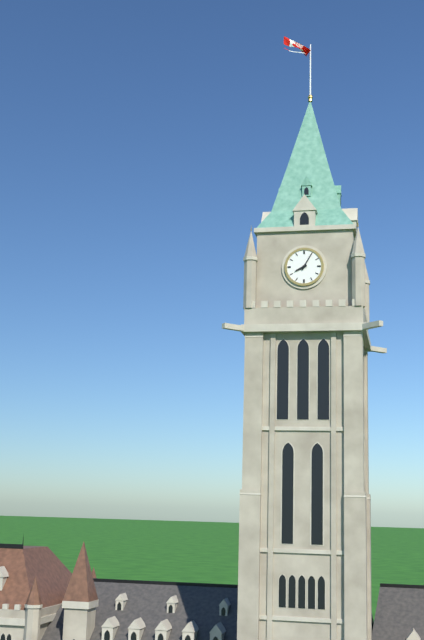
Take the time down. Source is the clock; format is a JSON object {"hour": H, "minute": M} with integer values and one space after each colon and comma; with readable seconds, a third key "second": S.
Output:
{"hour": 8, "minute": 5}
